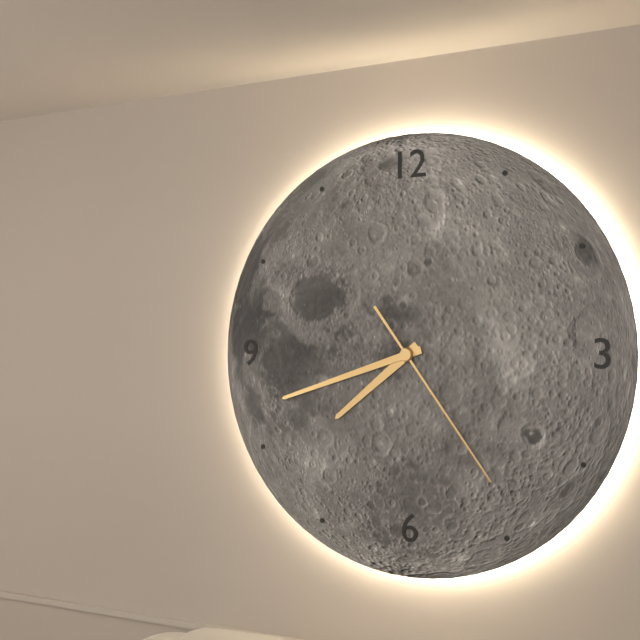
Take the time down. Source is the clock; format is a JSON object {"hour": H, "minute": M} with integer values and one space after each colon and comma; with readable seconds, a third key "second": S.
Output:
{"hour": 7, "minute": 42, "second": 24}
